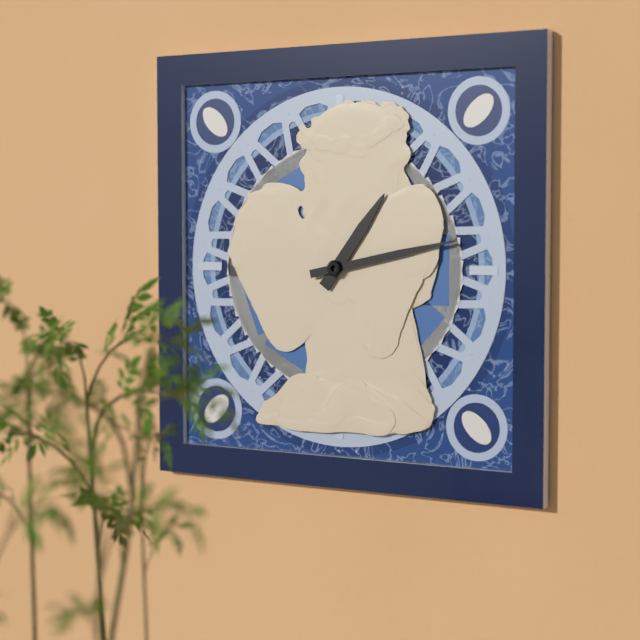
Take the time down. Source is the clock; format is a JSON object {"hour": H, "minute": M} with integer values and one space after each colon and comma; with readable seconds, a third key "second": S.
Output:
{"hour": 1, "minute": 13}
